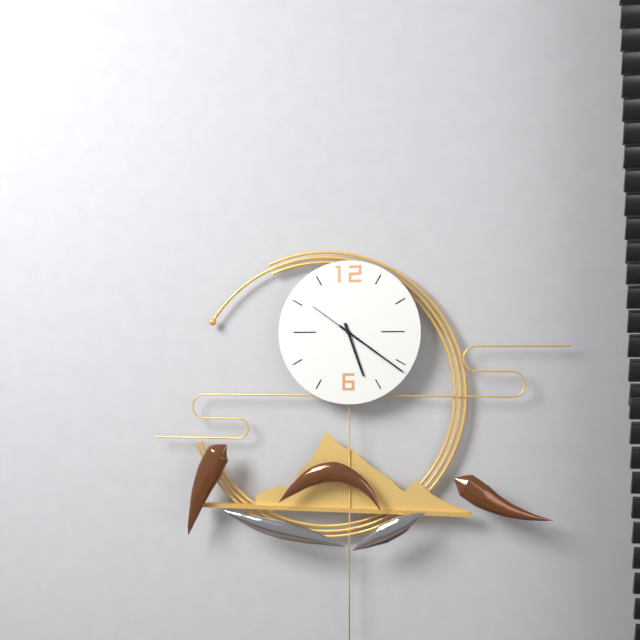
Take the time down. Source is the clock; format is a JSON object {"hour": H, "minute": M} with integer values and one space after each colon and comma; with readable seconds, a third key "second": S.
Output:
{"hour": 5, "minute": 21, "second": 51}
